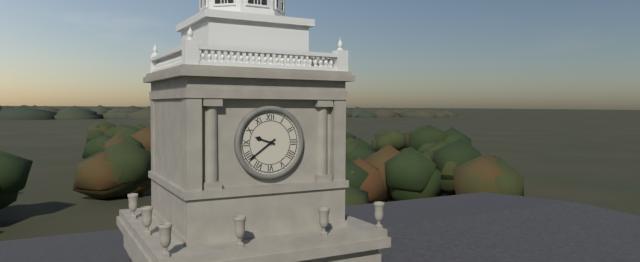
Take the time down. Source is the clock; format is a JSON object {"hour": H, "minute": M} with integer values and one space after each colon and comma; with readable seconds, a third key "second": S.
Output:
{"hour": 9, "minute": 39}
